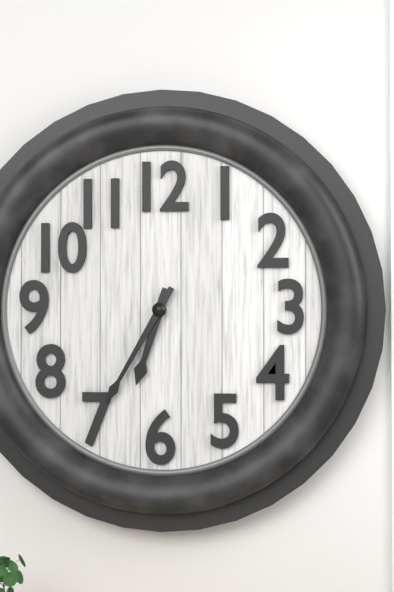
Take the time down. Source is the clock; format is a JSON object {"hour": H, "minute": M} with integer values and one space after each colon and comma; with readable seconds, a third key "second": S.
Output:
{"hour": 6, "minute": 35}
